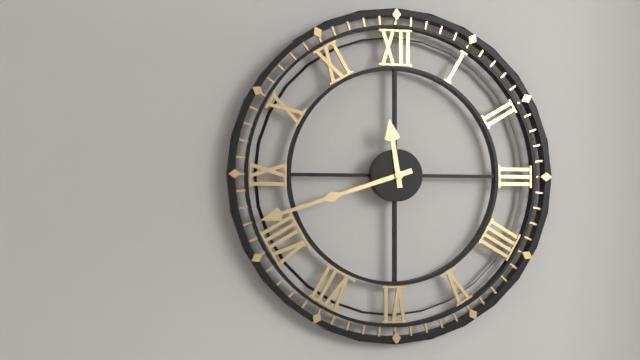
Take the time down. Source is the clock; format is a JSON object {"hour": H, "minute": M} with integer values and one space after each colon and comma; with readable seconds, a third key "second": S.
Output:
{"hour": 11, "minute": 42}
